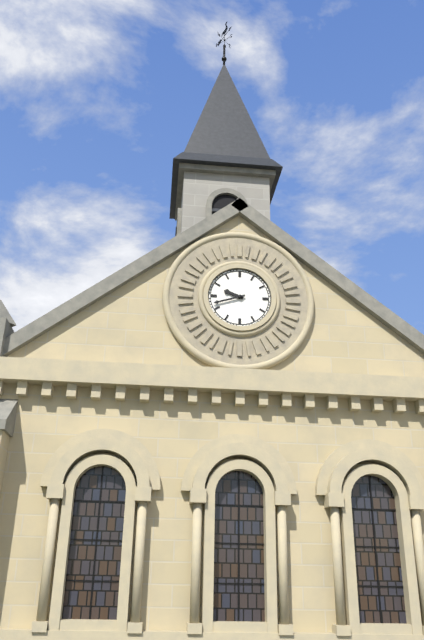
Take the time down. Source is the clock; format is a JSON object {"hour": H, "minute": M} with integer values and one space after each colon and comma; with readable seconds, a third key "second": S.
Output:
{"hour": 9, "minute": 42}
